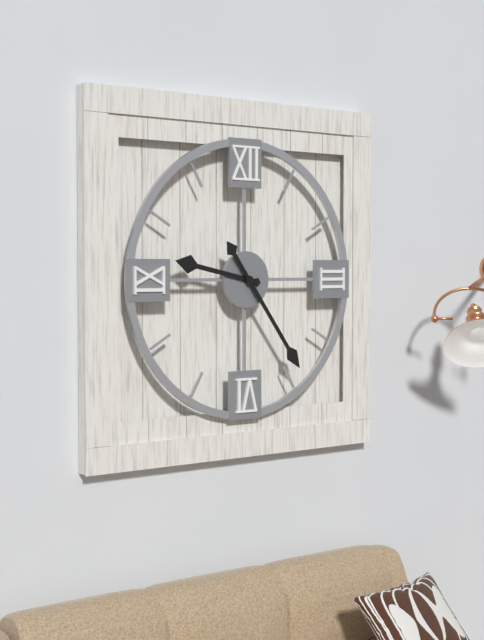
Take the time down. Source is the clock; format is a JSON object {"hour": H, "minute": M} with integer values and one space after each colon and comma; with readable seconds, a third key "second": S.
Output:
{"hour": 9, "minute": 24}
